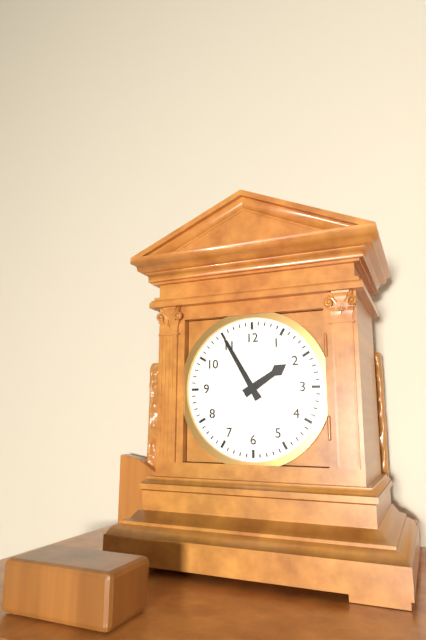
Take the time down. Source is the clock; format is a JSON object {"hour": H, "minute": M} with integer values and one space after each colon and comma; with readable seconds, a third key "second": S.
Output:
{"hour": 1, "minute": 55}
